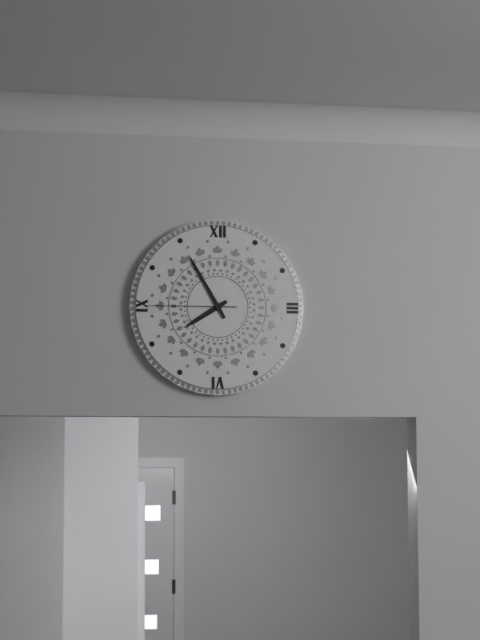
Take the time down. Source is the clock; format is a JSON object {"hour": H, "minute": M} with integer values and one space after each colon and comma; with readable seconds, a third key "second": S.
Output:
{"hour": 7, "minute": 55, "second": 45}
